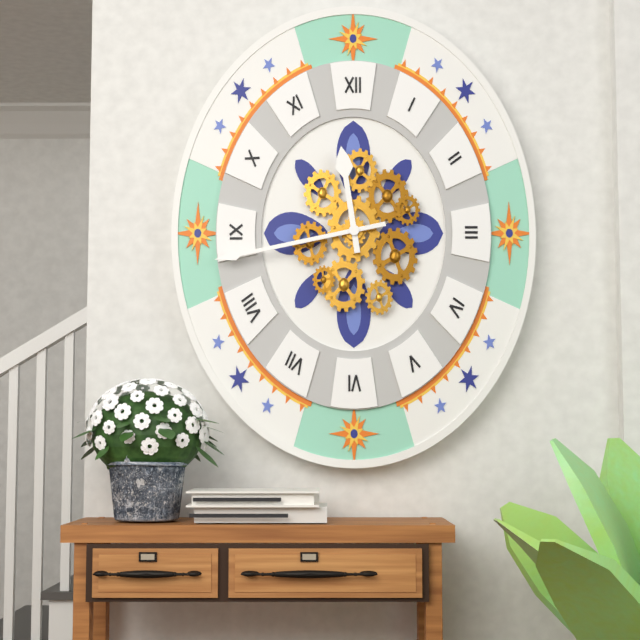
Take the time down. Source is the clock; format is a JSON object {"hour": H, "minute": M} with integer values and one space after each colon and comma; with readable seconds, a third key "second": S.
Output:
{"hour": 11, "minute": 43}
